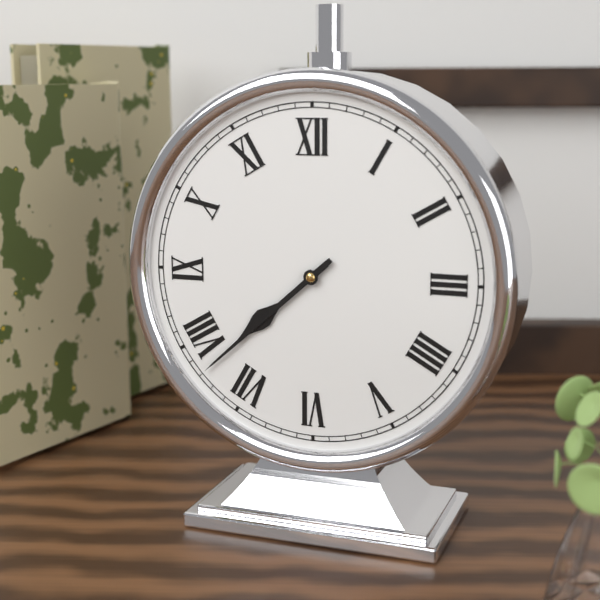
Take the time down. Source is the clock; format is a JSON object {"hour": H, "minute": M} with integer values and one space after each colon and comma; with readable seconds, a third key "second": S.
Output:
{"hour": 7, "minute": 38}
